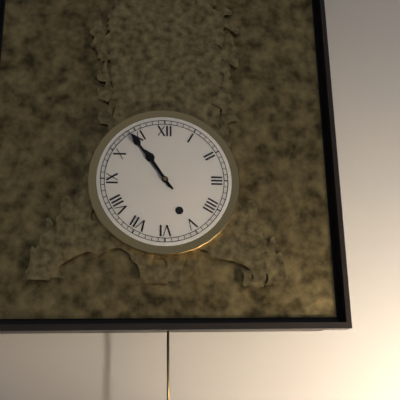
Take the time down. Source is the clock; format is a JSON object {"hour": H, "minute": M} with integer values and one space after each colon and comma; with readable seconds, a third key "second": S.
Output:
{"hour": 10, "minute": 54}
